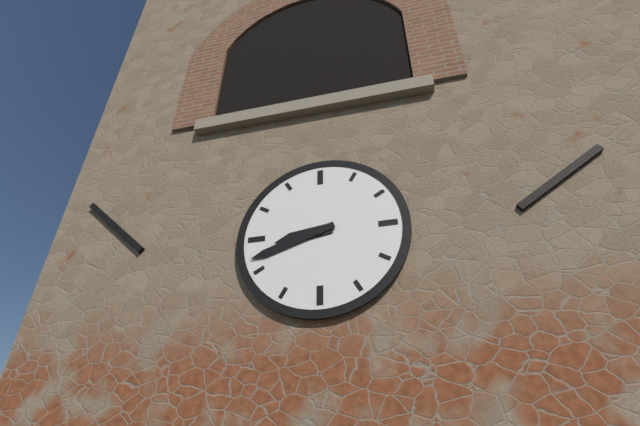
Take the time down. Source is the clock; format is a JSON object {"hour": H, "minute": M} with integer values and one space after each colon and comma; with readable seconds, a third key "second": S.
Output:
{"hour": 8, "minute": 42}
